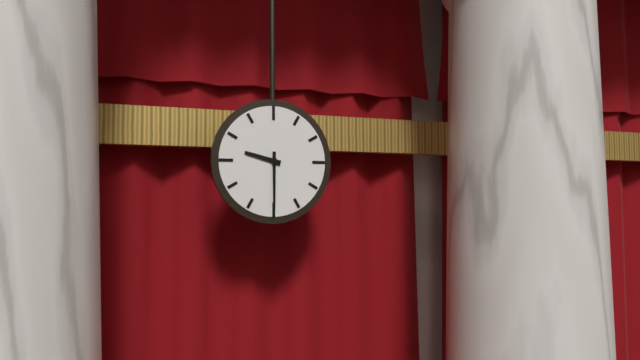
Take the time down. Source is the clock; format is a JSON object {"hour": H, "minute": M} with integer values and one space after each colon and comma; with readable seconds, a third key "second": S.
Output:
{"hour": 9, "minute": 30}
